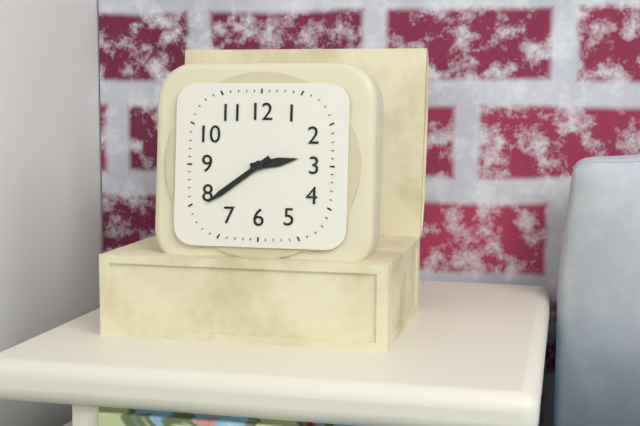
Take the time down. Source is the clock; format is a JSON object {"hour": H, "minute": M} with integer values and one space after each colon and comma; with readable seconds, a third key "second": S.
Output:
{"hour": 2, "minute": 39}
